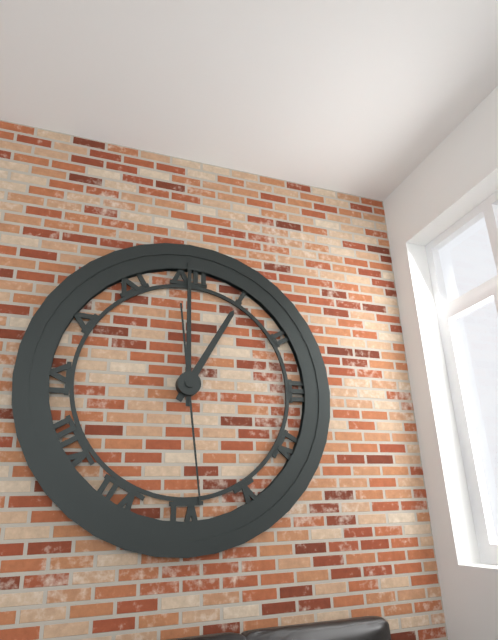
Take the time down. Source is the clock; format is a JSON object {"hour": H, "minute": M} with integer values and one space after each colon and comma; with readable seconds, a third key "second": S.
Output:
{"hour": 1, "minute": 0, "second": 29}
